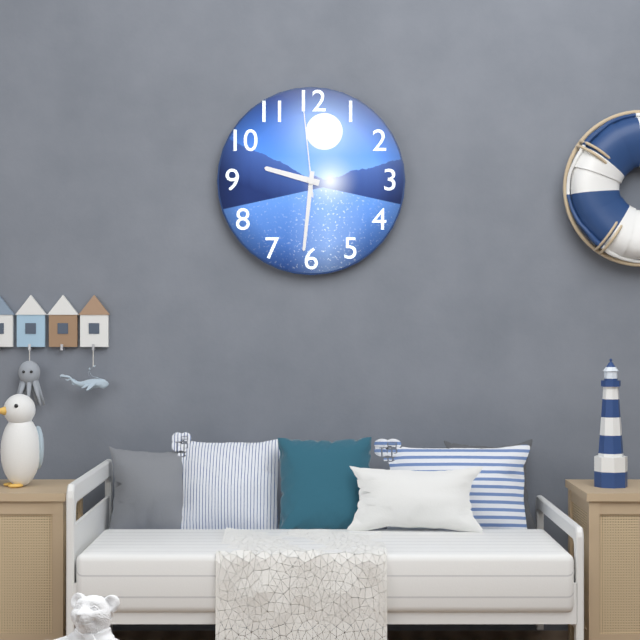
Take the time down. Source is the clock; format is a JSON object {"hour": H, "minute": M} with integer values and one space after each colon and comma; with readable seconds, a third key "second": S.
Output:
{"hour": 9, "minute": 31, "second": 59}
